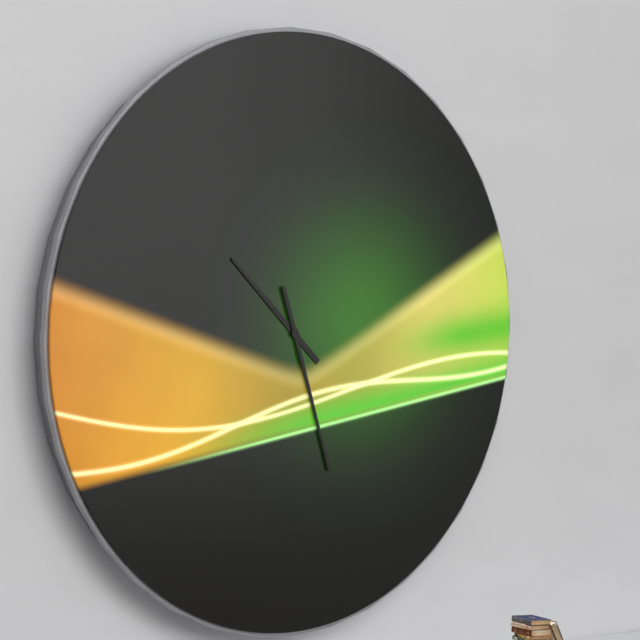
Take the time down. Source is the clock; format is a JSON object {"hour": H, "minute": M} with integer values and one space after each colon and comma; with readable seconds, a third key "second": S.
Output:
{"hour": 10, "minute": 27}
